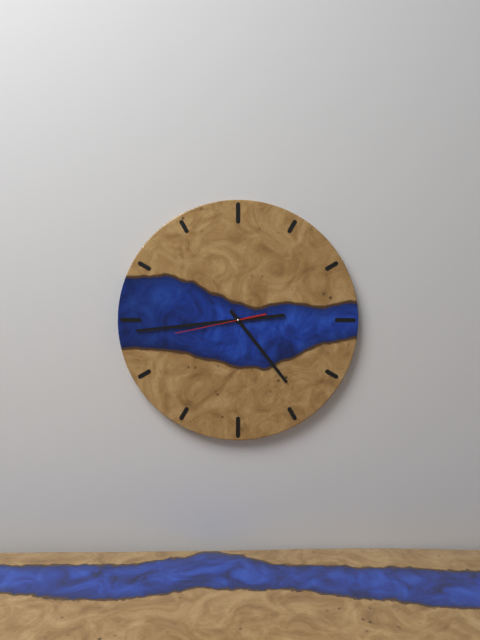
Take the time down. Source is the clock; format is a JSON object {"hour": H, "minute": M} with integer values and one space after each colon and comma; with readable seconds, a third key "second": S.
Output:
{"hour": 4, "minute": 44, "second": 43}
